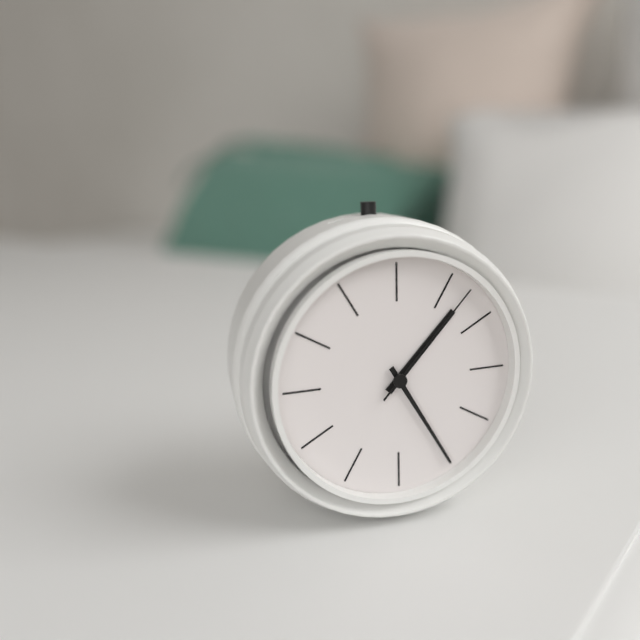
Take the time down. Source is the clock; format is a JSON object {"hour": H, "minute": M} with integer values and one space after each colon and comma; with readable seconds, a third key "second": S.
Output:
{"hour": 1, "minute": 25, "second": 7}
